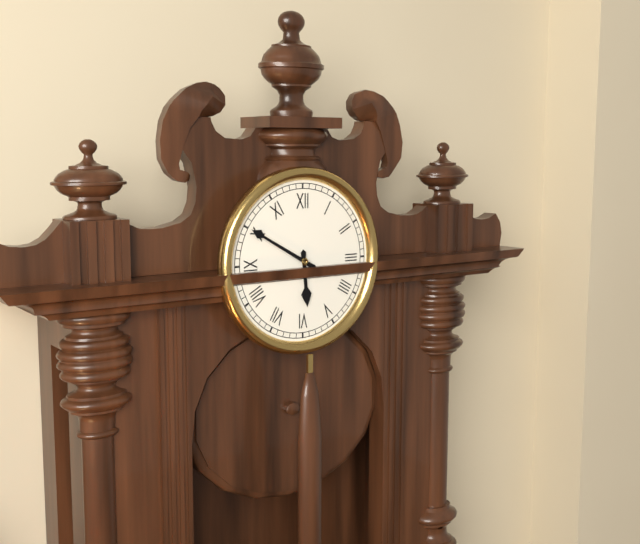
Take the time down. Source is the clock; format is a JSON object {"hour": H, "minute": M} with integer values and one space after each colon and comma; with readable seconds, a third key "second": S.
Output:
{"hour": 5, "minute": 50}
